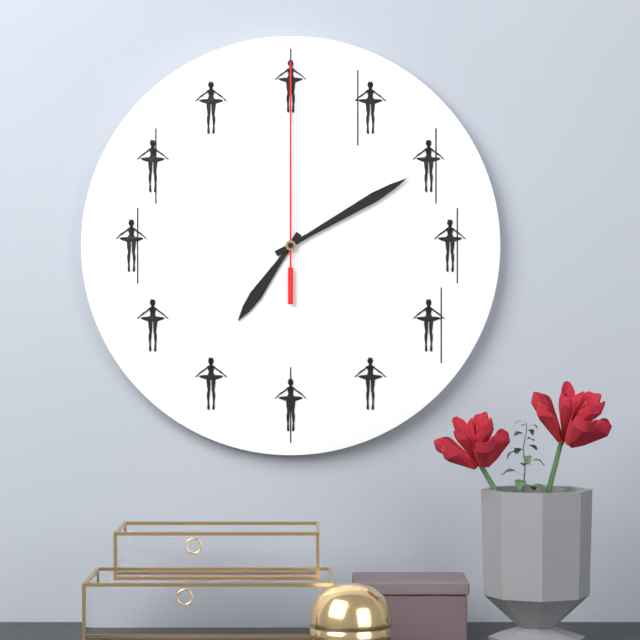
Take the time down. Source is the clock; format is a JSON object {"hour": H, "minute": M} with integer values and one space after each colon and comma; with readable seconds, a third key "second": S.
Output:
{"hour": 7, "minute": 10, "second": 0}
